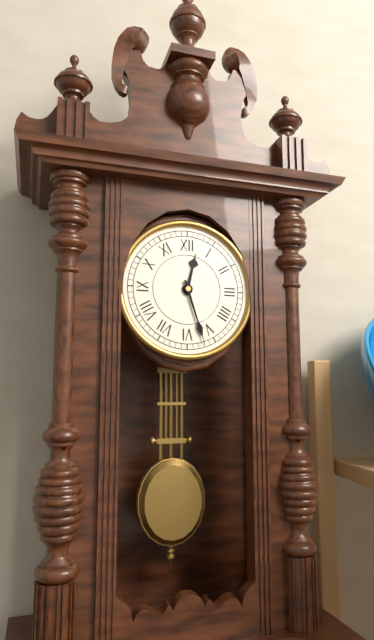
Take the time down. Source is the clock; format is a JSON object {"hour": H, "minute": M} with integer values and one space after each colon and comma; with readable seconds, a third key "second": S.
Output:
{"hour": 12, "minute": 27}
